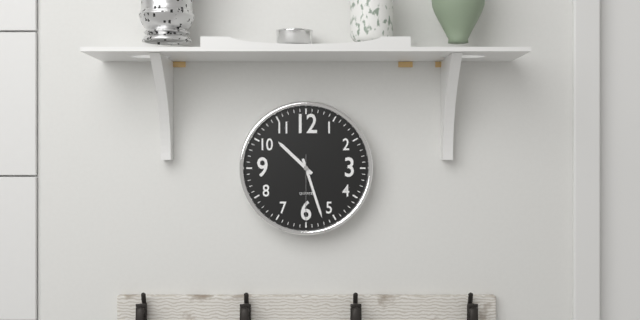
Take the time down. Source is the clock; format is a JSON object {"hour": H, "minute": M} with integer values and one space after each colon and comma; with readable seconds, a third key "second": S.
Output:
{"hour": 10, "minute": 27, "second": 30}
